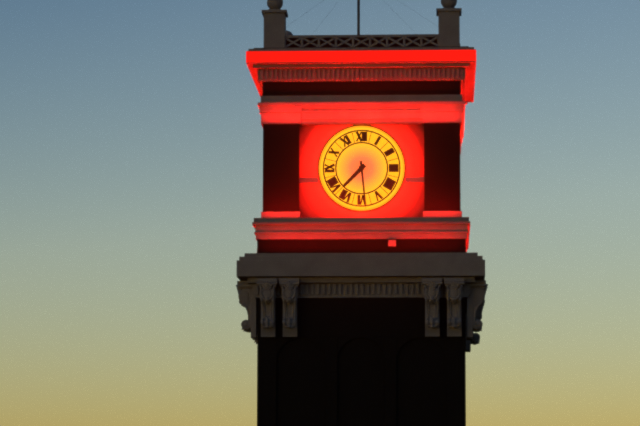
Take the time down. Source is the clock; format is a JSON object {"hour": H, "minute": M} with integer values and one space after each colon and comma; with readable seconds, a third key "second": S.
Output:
{"hour": 7, "minute": 29}
